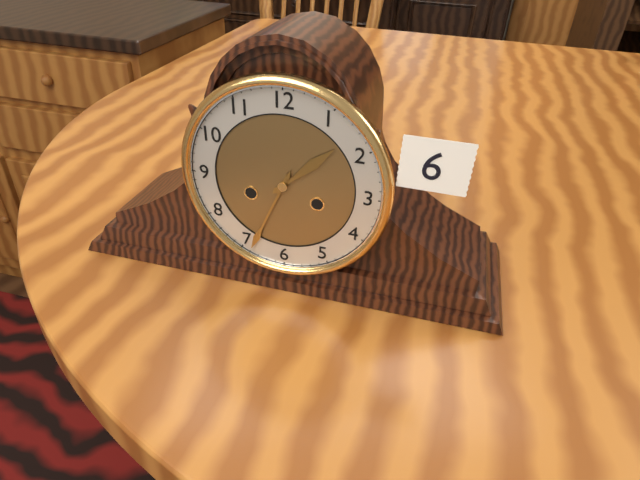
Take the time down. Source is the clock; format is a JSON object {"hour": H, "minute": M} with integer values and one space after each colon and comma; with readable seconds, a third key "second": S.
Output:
{"hour": 1, "minute": 34}
